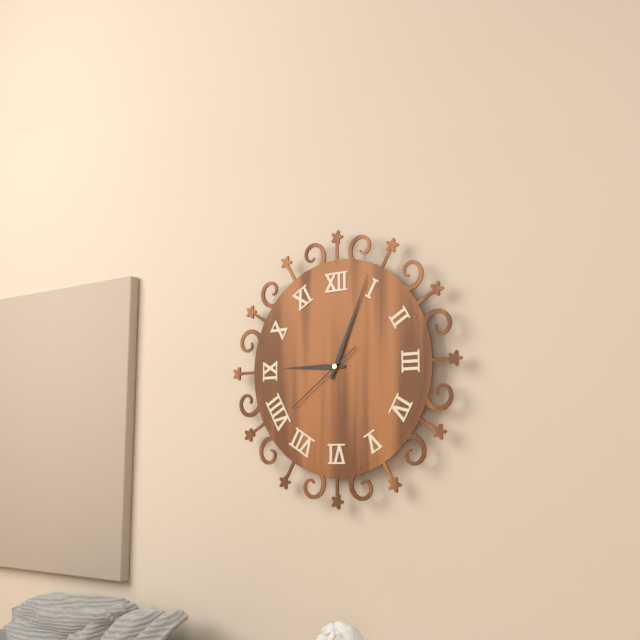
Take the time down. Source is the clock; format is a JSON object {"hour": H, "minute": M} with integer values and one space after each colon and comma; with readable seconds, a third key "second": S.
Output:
{"hour": 9, "minute": 4, "second": 39}
